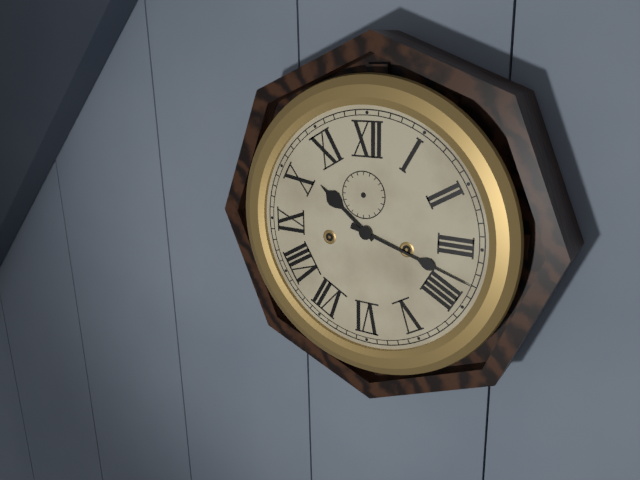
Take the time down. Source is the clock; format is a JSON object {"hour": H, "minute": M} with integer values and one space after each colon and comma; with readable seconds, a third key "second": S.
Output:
{"hour": 10, "minute": 18}
